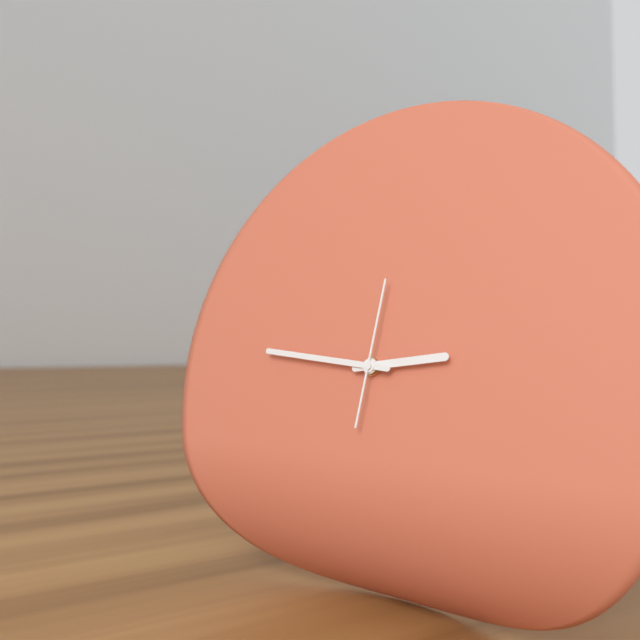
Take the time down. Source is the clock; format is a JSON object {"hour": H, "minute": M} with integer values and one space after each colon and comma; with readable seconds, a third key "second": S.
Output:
{"hour": 2, "minute": 46, "second": 1}
